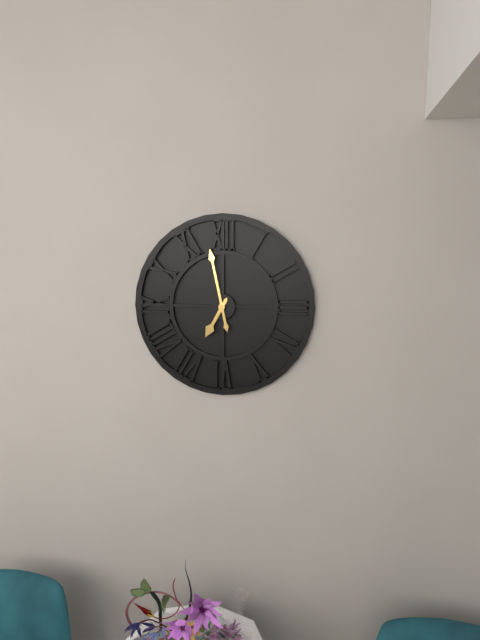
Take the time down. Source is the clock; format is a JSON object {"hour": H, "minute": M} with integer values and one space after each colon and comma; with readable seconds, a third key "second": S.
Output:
{"hour": 6, "minute": 58}
